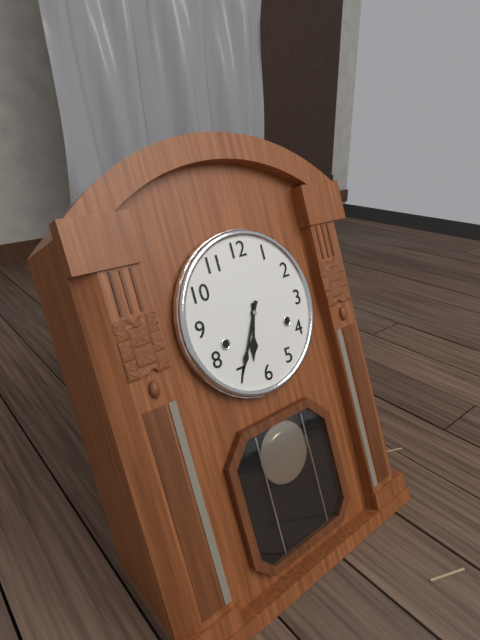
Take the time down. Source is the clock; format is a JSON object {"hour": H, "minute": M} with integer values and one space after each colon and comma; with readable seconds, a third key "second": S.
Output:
{"hour": 6, "minute": 35}
